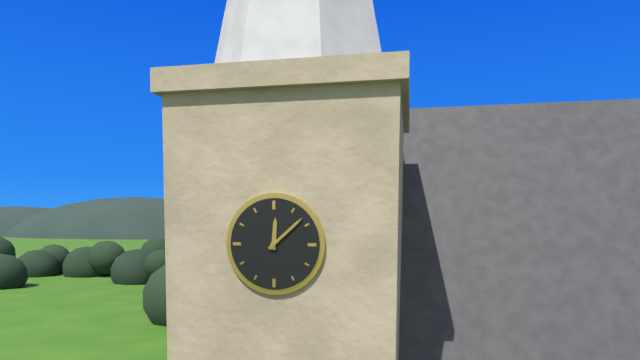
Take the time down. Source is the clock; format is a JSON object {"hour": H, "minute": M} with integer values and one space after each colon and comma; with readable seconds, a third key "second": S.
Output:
{"hour": 12, "minute": 8}
